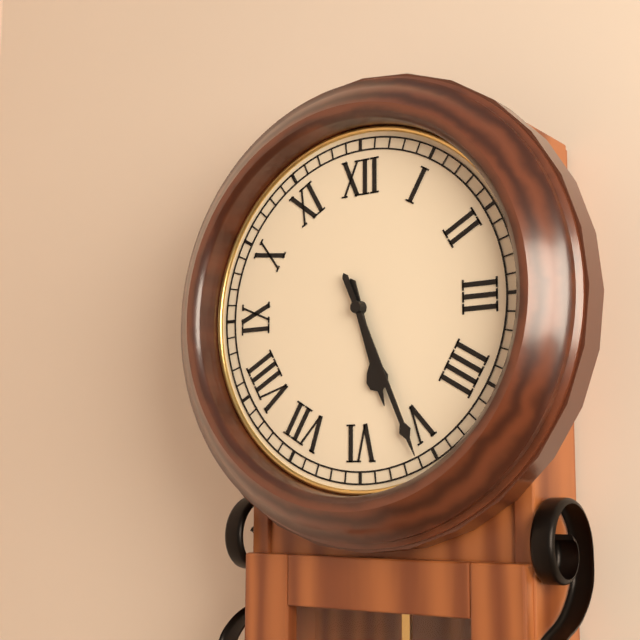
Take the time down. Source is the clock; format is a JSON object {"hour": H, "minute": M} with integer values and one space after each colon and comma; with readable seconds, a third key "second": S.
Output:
{"hour": 5, "minute": 26}
